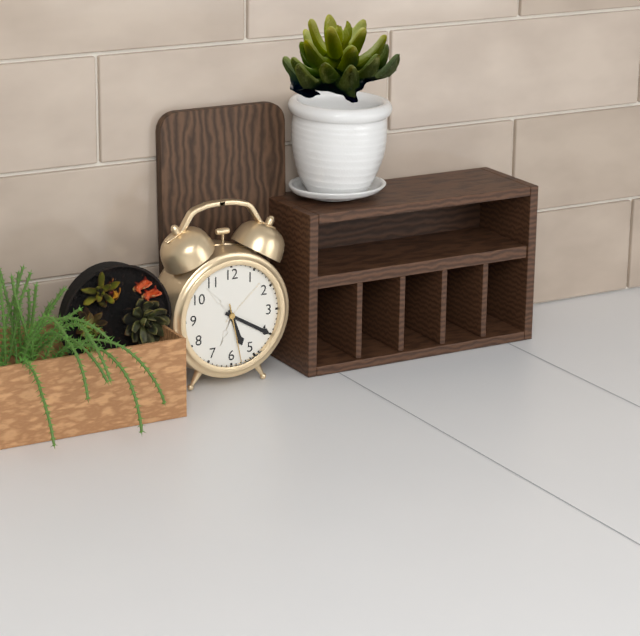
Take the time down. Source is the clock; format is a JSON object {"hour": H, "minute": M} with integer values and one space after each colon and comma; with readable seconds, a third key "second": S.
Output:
{"hour": 5, "minute": 20, "second": 28}
